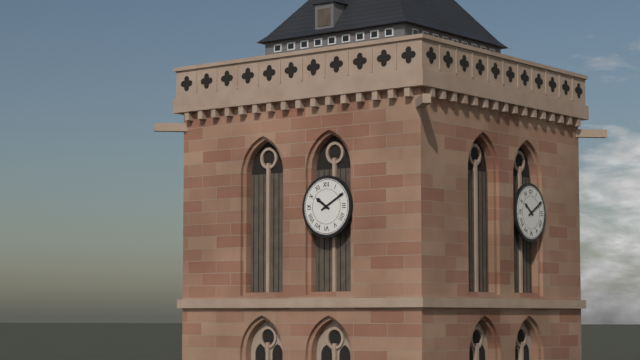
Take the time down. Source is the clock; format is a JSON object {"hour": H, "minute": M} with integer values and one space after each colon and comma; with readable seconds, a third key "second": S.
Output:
{"hour": 10, "minute": 10}
